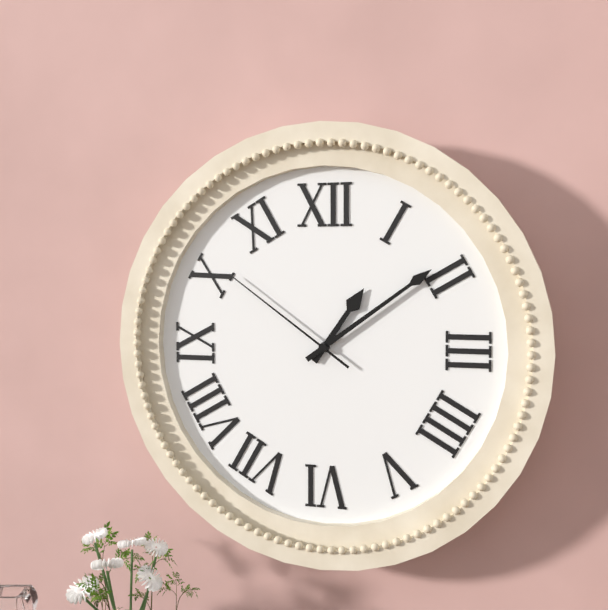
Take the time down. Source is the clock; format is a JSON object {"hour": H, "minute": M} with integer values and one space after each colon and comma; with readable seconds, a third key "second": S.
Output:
{"hour": 1, "minute": 9, "second": 51}
